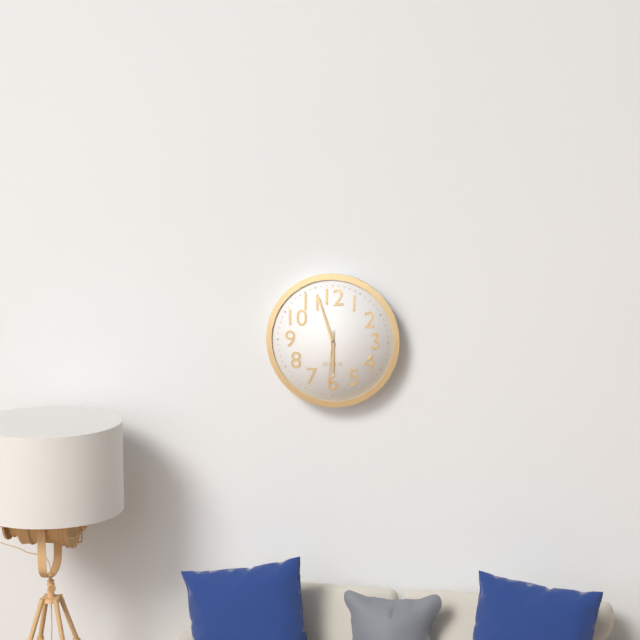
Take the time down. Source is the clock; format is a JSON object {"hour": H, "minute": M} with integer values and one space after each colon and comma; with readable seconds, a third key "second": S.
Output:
{"hour": 5, "minute": 57, "second": 31}
